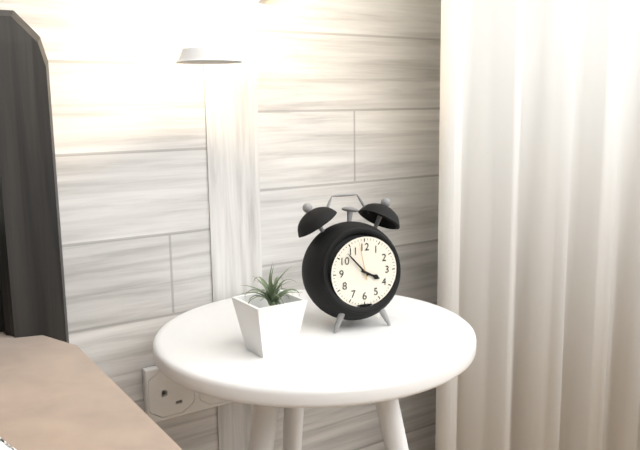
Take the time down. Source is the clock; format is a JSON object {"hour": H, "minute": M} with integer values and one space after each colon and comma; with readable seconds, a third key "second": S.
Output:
{"hour": 3, "minute": 53}
